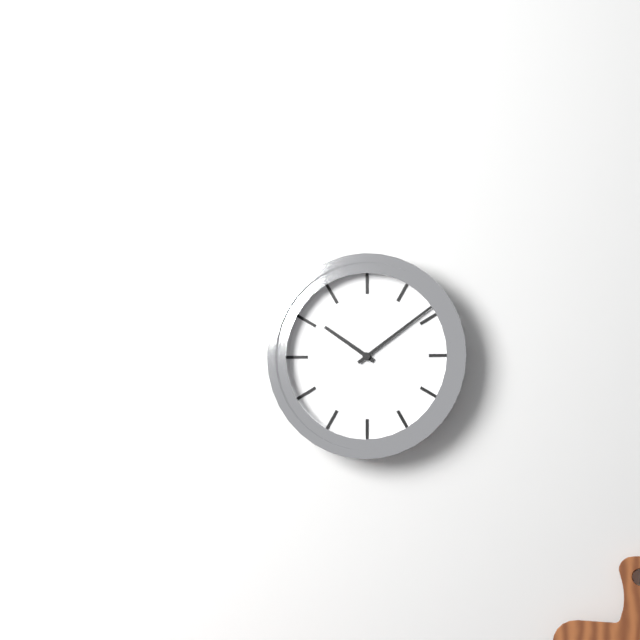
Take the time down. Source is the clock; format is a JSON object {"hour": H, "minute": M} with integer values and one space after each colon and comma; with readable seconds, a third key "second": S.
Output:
{"hour": 10, "minute": 9}
